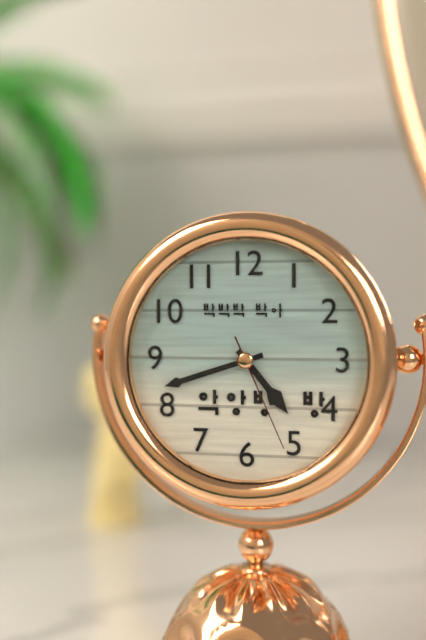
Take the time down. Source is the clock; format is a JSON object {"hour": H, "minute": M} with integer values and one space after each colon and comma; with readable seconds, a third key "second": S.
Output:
{"hour": 4, "minute": 42, "second": 26}
